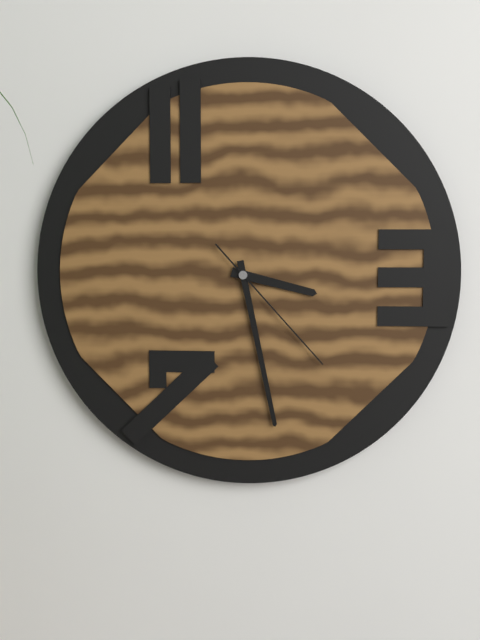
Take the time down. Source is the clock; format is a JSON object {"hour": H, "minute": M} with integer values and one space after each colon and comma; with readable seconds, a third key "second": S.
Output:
{"hour": 3, "minute": 28, "second": 23}
